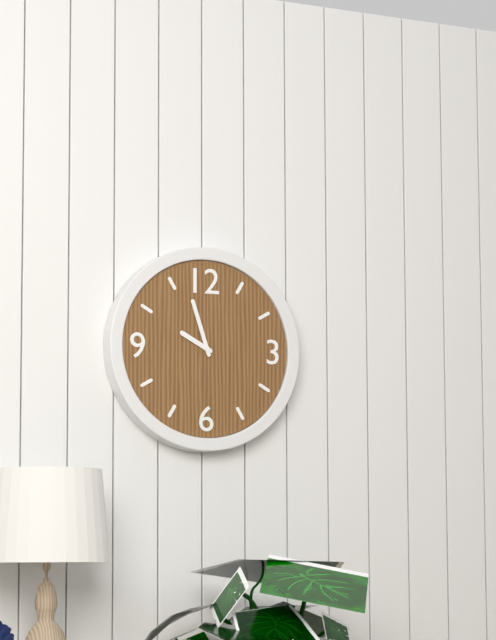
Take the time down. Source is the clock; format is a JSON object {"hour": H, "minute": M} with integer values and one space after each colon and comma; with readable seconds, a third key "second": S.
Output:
{"hour": 9, "minute": 57}
